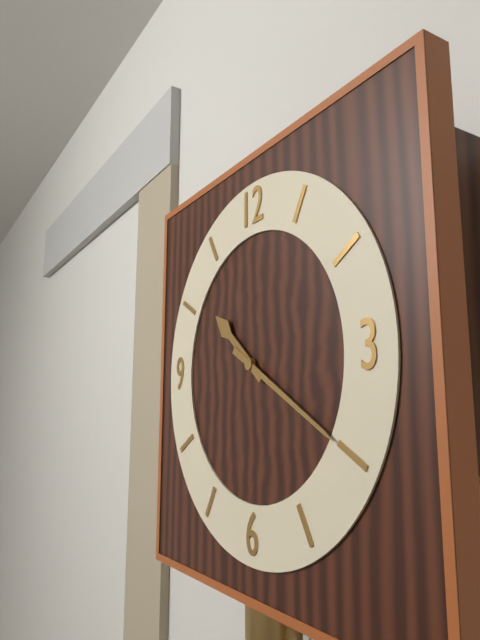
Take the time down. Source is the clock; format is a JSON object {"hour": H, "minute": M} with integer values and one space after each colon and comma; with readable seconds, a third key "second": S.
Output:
{"hour": 10, "minute": 20}
